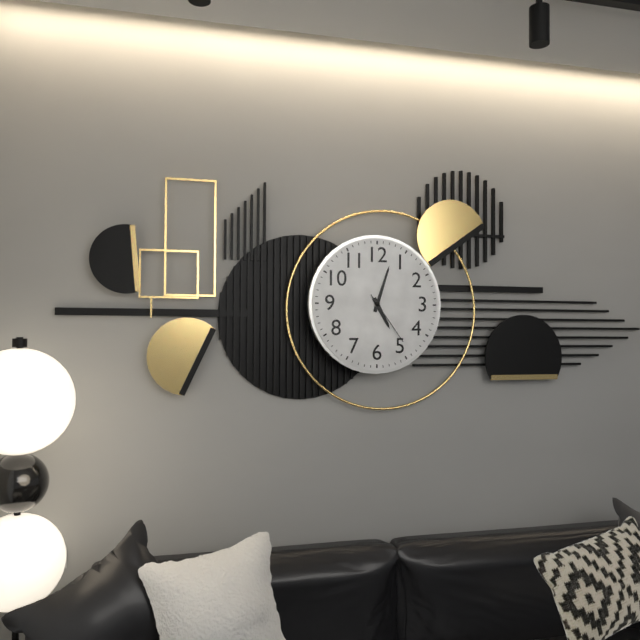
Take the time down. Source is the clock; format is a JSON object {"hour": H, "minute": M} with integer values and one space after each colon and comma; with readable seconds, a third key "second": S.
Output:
{"hour": 5, "minute": 3, "second": 24}
